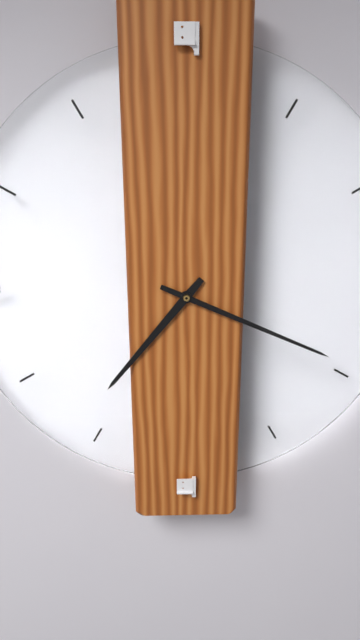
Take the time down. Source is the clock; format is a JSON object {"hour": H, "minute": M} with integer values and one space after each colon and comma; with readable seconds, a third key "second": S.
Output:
{"hour": 7, "minute": 19}
